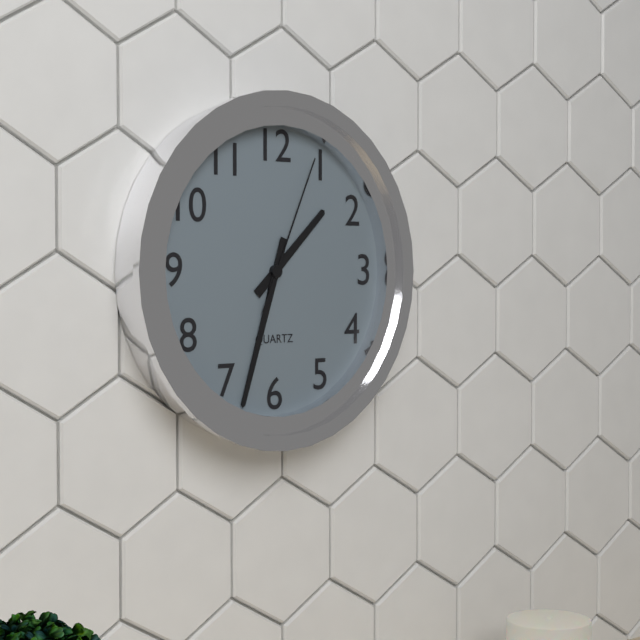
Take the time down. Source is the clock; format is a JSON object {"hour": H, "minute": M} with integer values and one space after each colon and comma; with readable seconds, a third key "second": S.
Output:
{"hour": 1, "minute": 33, "second": 4}
